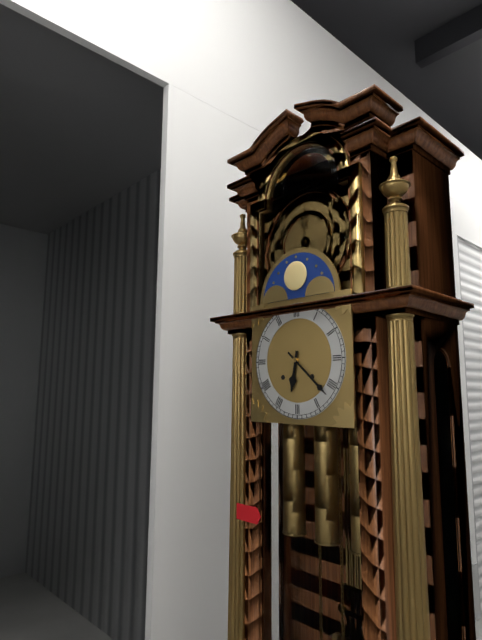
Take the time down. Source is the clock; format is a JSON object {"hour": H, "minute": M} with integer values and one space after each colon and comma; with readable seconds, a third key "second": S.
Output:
{"hour": 6, "minute": 22}
